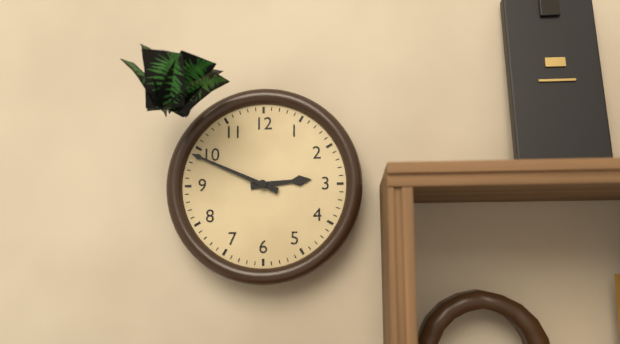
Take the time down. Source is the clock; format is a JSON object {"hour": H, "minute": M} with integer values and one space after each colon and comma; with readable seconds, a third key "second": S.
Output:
{"hour": 2, "minute": 49}
